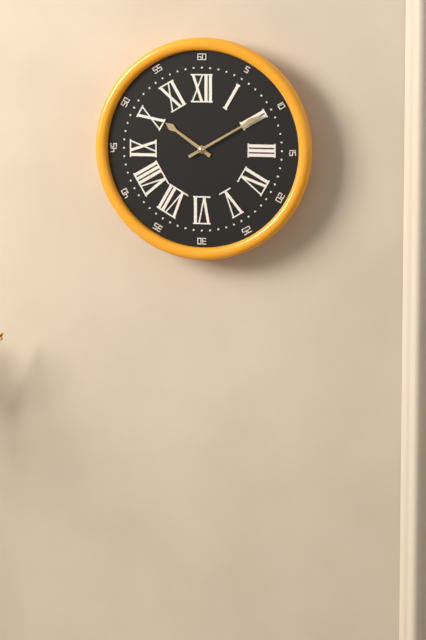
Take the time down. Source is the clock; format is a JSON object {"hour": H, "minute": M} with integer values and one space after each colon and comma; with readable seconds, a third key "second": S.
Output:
{"hour": 10, "minute": 10}
